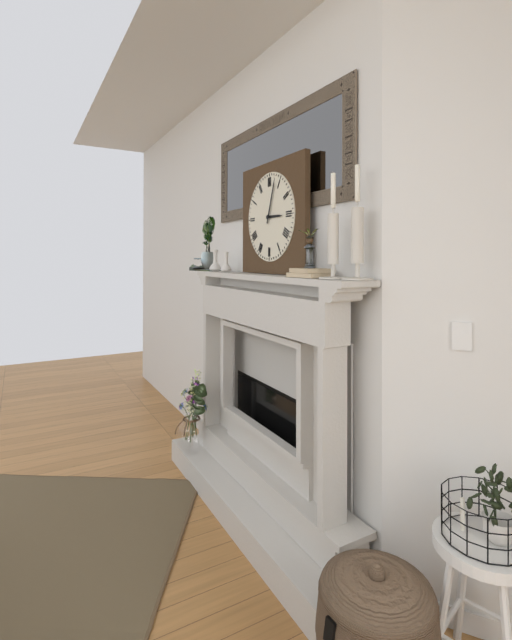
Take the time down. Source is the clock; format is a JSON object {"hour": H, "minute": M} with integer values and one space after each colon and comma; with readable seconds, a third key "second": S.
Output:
{"hour": 3, "minute": 3}
